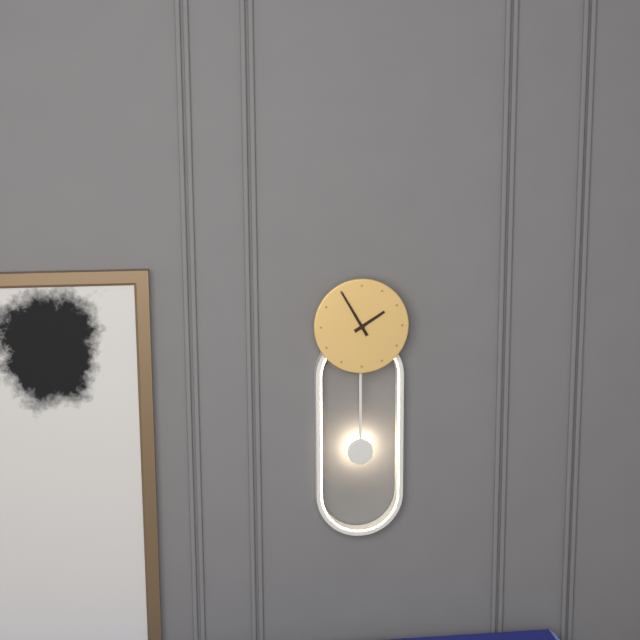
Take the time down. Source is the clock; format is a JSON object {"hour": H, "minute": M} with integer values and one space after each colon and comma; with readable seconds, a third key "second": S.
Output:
{"hour": 1, "minute": 55}
